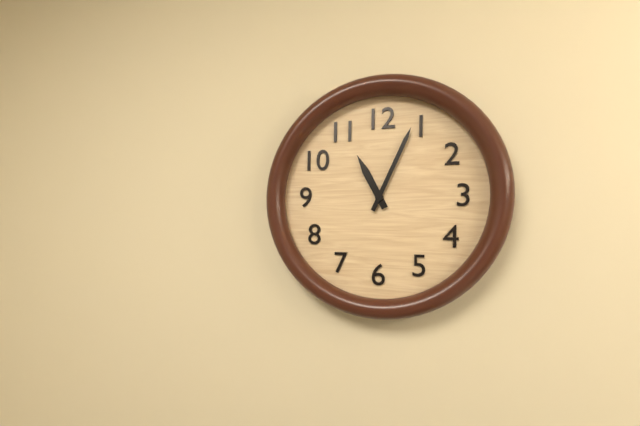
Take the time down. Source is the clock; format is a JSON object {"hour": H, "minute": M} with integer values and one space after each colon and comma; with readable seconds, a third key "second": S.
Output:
{"hour": 11, "minute": 4}
